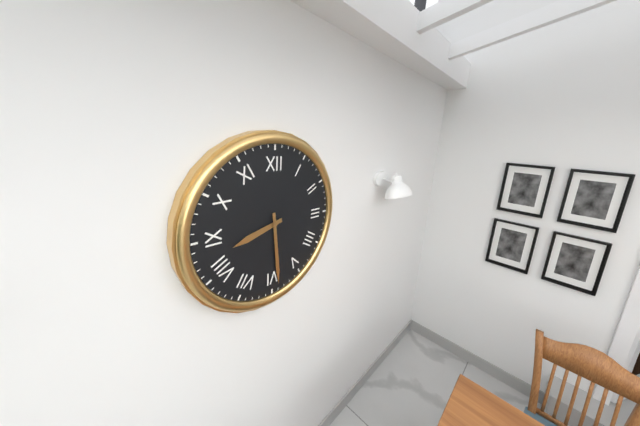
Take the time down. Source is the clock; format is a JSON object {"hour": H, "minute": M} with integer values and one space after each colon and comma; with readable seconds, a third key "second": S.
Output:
{"hour": 8, "minute": 29}
